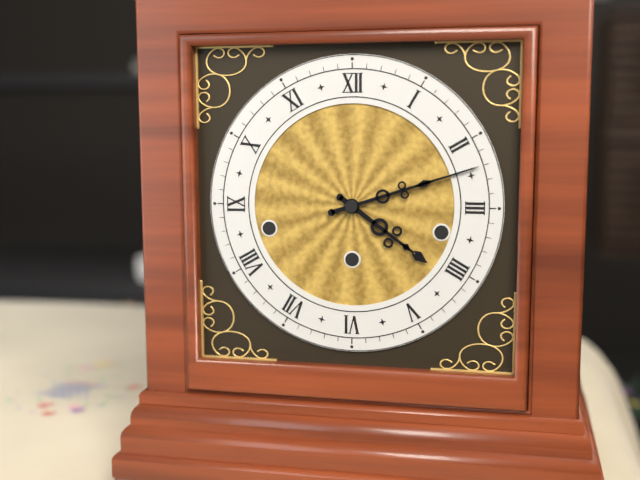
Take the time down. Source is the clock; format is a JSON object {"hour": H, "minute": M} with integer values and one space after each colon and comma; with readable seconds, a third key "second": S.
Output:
{"hour": 4, "minute": 12}
